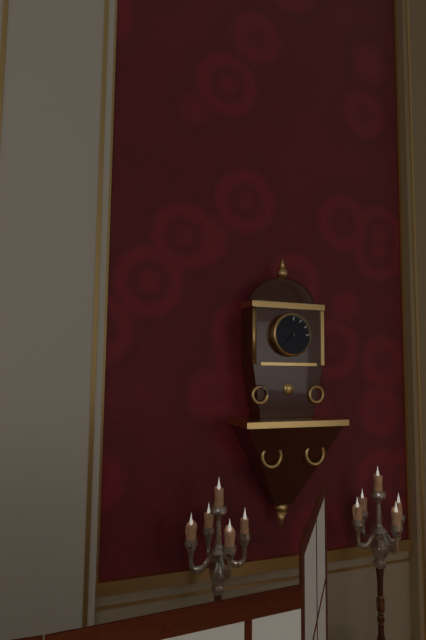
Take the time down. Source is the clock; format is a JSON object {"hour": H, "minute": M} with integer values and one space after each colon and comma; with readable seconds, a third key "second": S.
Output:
{"hour": 3, "minute": 38}
